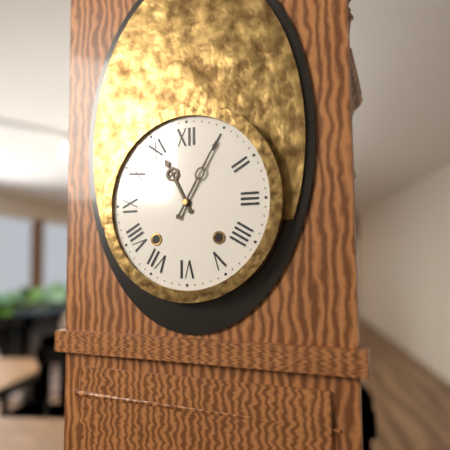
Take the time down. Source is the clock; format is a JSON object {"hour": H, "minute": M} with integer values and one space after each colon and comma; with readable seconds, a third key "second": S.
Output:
{"hour": 11, "minute": 5}
